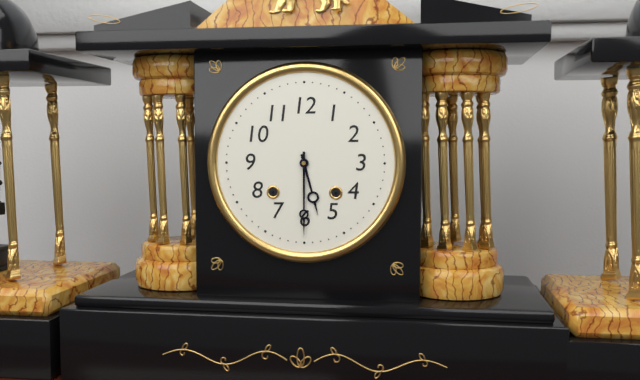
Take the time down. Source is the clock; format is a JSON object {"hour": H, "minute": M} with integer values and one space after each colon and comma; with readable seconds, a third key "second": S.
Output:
{"hour": 5, "minute": 30}
